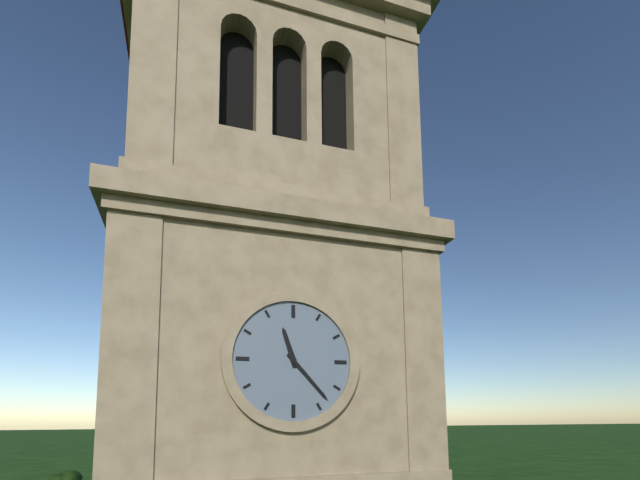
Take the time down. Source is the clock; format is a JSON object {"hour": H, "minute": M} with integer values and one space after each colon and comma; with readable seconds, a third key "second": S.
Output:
{"hour": 11, "minute": 23}
